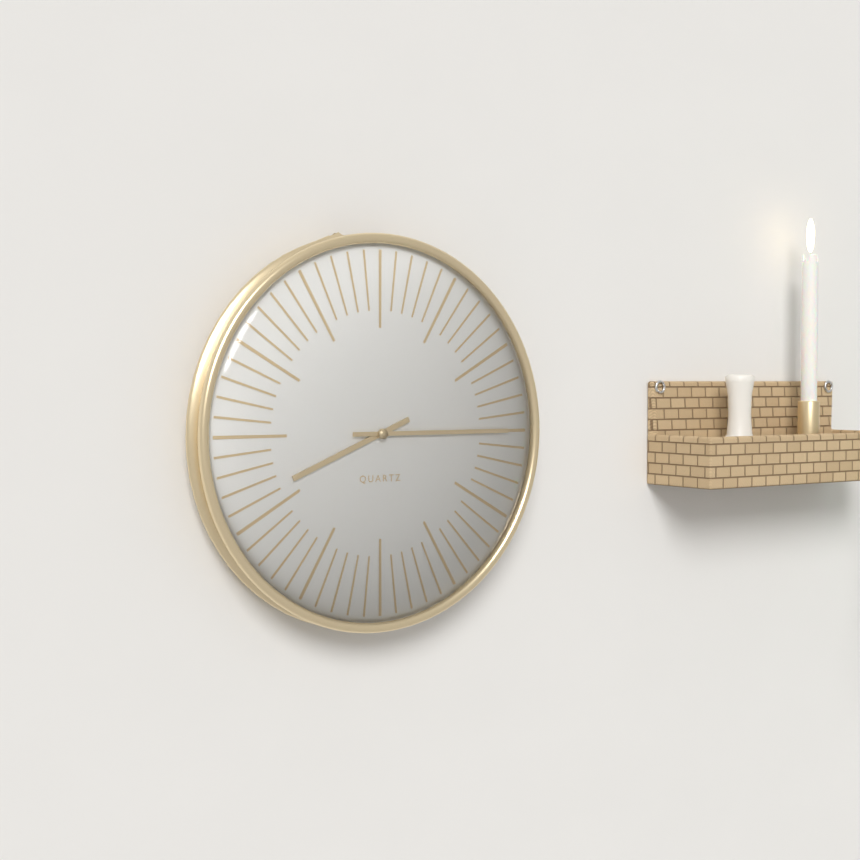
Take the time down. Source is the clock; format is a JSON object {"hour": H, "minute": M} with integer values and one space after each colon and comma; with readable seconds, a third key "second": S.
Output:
{"hour": 8, "minute": 15}
